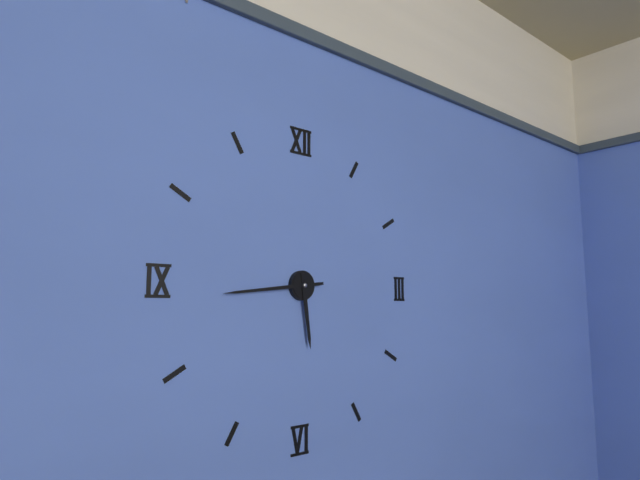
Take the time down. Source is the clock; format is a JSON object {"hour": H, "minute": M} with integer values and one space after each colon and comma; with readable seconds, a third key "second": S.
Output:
{"hour": 5, "minute": 44}
